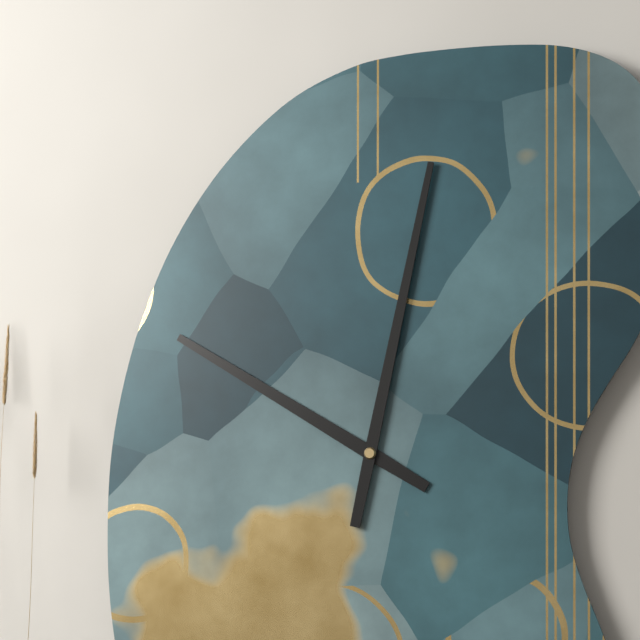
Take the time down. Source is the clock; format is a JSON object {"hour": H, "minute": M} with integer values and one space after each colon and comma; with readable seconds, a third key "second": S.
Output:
{"hour": 10, "minute": 2}
